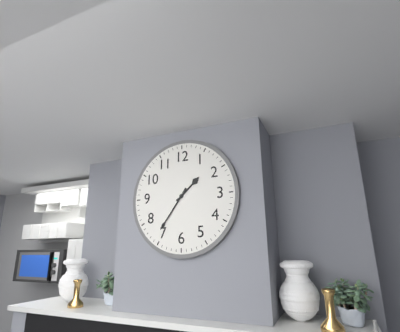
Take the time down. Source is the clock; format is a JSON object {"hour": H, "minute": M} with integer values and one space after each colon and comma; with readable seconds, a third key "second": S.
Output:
{"hour": 1, "minute": 36}
